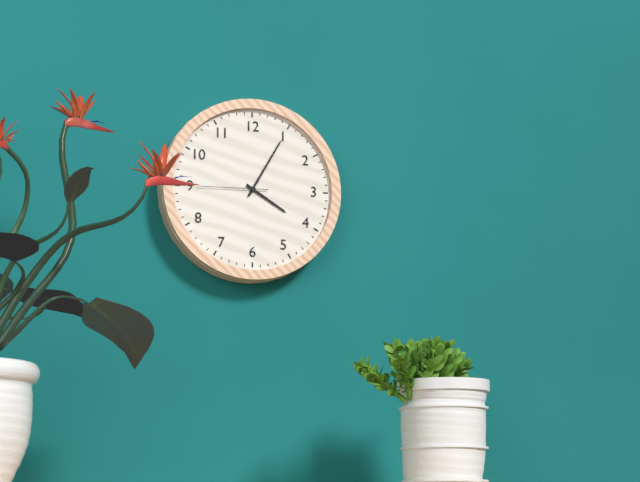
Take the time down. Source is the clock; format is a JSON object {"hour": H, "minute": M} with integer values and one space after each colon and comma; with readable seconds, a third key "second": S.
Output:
{"hour": 4, "minute": 5, "second": 45}
